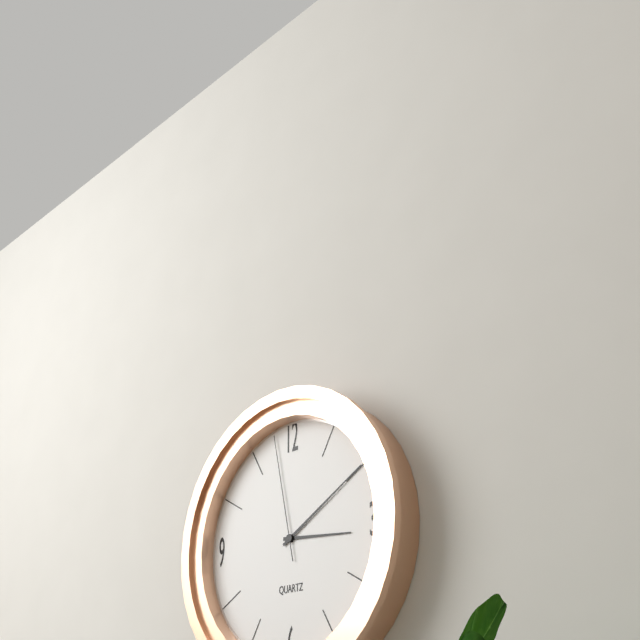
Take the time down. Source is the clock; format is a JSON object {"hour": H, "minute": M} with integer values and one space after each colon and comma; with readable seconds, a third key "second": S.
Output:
{"hour": 3, "minute": 10, "second": 58}
